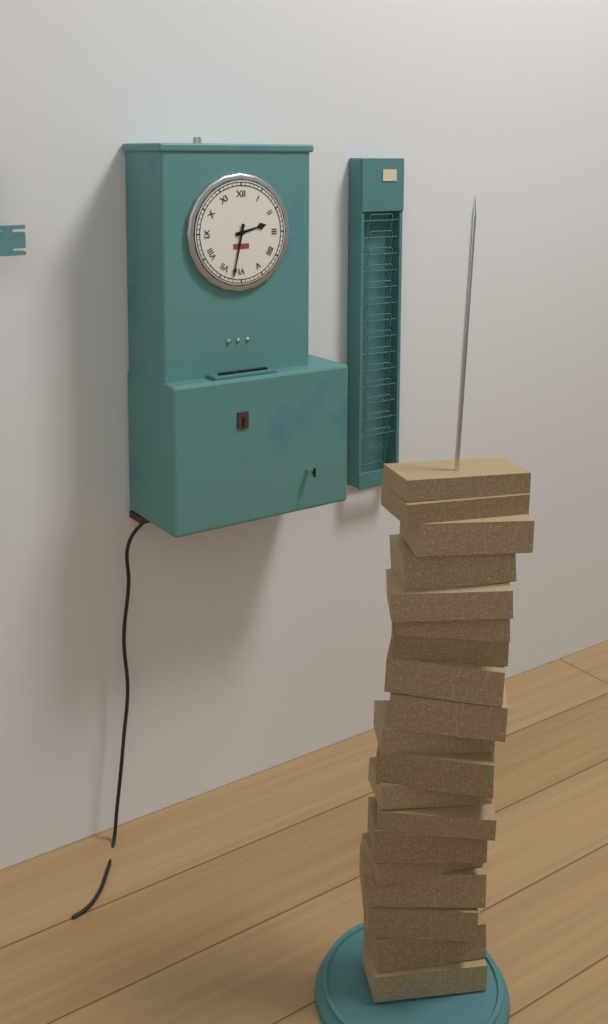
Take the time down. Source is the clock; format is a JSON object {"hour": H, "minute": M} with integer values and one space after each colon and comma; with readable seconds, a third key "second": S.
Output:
{"hour": 2, "minute": 32}
